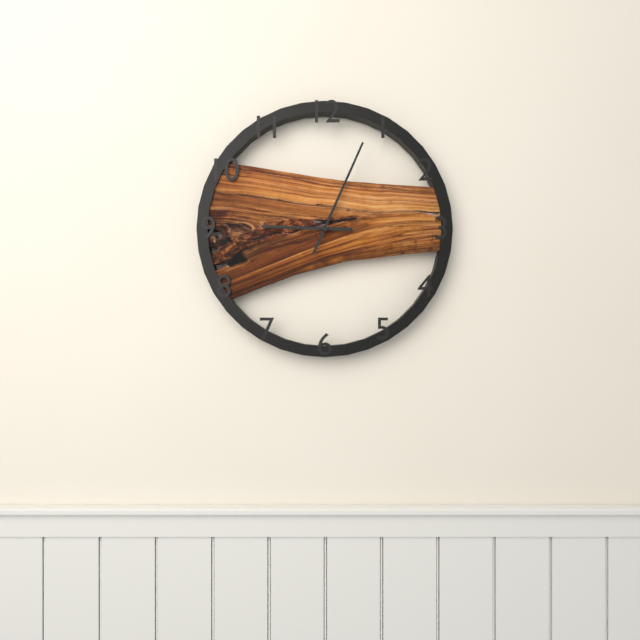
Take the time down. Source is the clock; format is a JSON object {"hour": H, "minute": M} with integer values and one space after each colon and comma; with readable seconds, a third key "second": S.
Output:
{"hour": 9, "minute": 4}
